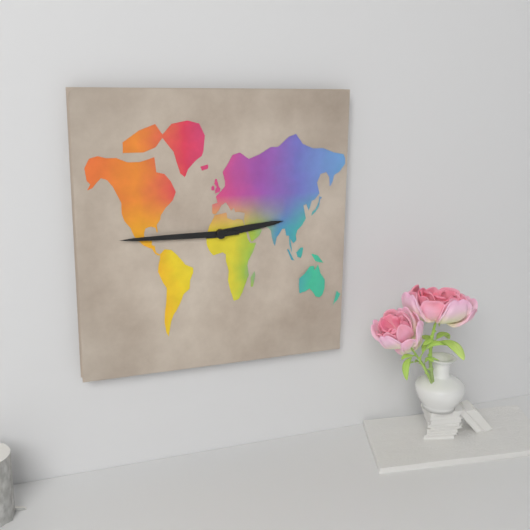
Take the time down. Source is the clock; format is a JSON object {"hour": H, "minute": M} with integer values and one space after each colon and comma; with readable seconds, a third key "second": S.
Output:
{"hour": 2, "minute": 45}
